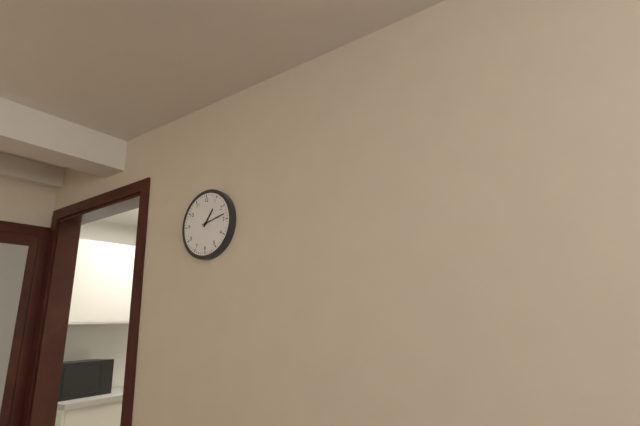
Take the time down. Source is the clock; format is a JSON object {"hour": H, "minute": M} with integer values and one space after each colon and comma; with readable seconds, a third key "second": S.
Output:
{"hour": 1, "minute": 13}
